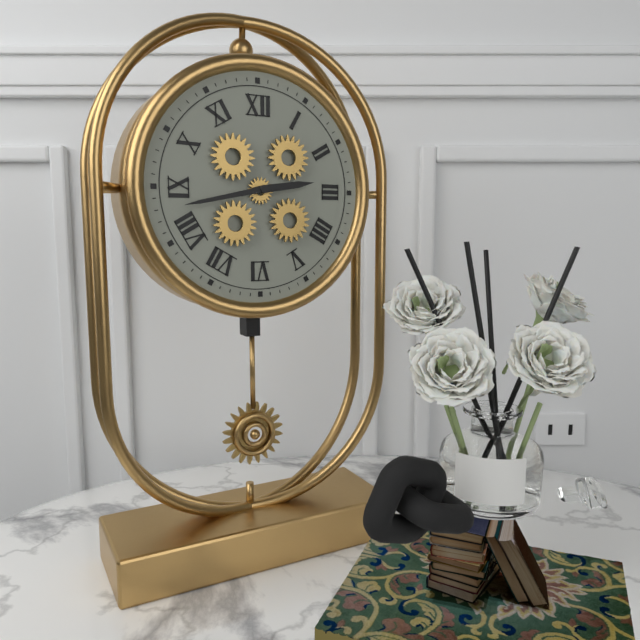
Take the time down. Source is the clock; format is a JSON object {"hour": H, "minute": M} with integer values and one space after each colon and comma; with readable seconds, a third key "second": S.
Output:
{"hour": 2, "minute": 43}
